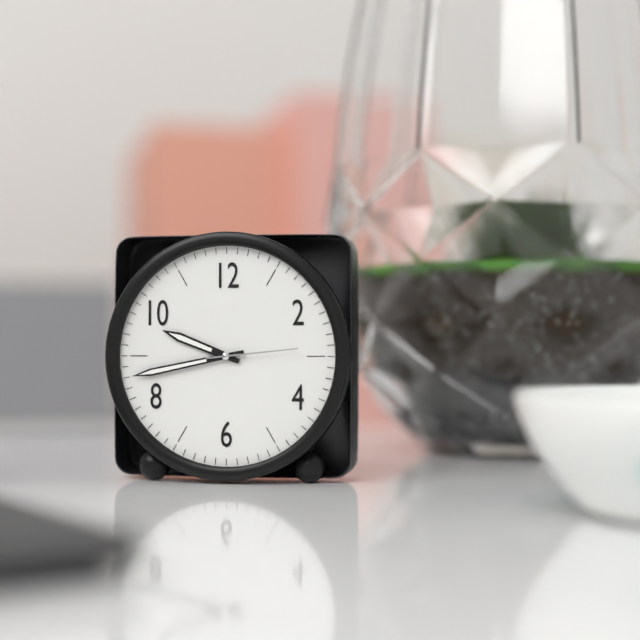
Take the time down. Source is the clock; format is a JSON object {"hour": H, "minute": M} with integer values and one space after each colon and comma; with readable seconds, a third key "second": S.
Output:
{"hour": 9, "minute": 43, "second": 14}
